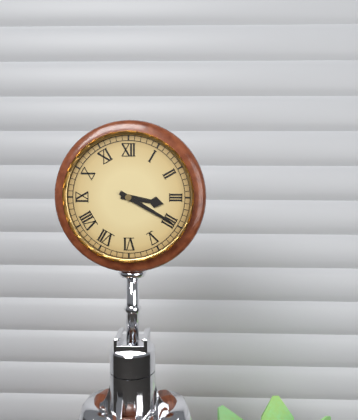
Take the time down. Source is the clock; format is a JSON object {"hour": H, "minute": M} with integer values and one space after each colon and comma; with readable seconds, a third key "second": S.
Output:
{"hour": 3, "minute": 20}
